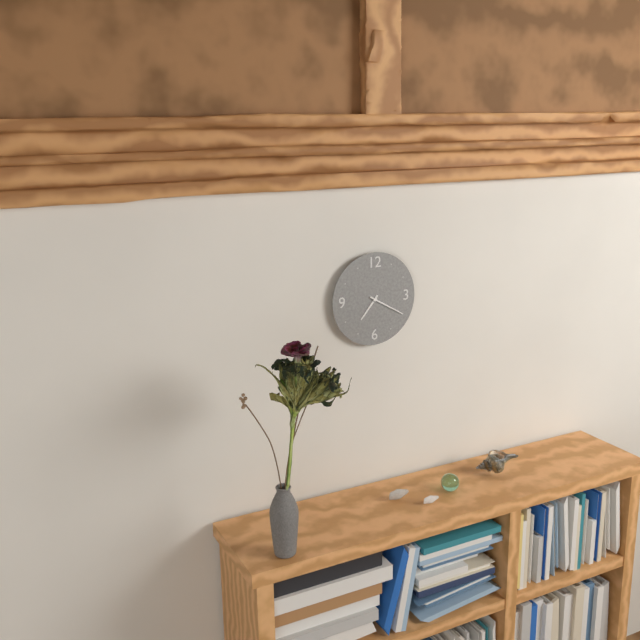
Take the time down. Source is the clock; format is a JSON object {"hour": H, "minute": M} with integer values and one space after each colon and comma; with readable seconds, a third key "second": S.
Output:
{"hour": 7, "minute": 20}
